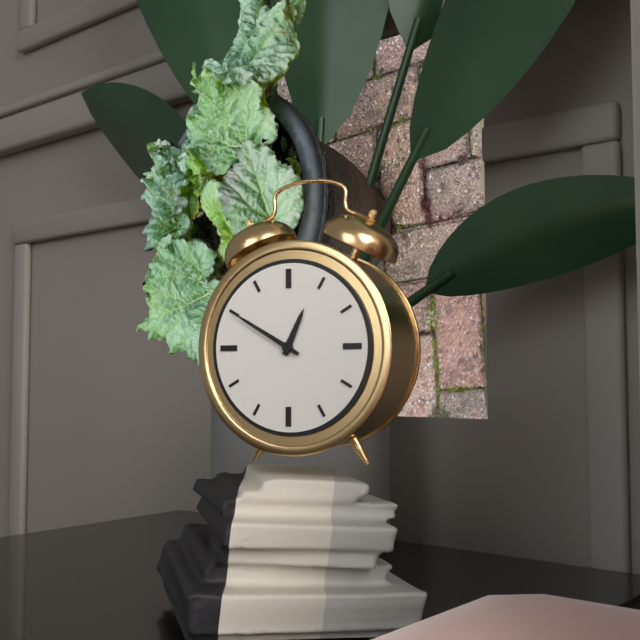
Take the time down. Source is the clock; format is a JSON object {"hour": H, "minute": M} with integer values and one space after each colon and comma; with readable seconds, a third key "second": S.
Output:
{"hour": 12, "minute": 50}
